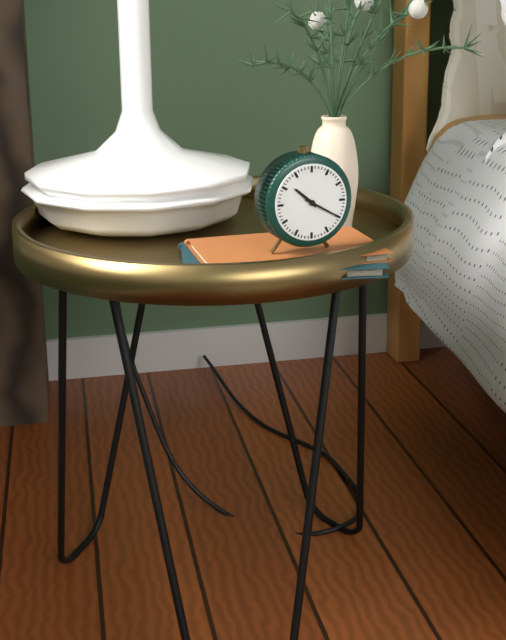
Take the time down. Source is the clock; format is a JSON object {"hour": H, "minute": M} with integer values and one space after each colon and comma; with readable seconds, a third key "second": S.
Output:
{"hour": 10, "minute": 20}
